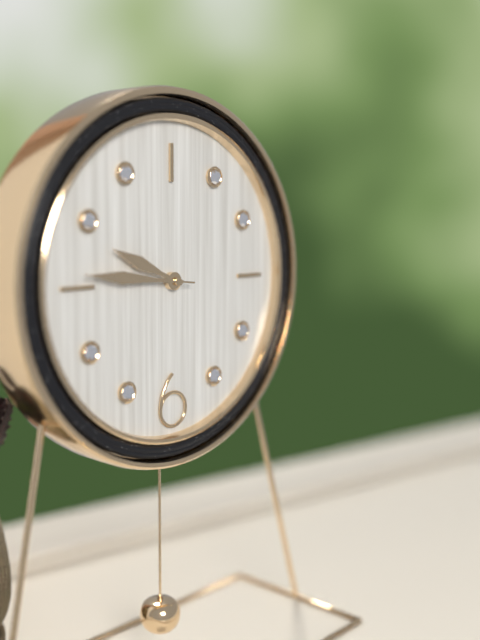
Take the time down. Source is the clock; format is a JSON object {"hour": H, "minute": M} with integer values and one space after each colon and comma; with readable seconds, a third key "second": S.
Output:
{"hour": 9, "minute": 46, "second": 46}
